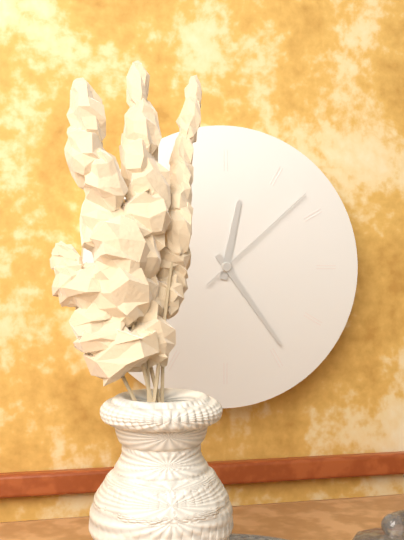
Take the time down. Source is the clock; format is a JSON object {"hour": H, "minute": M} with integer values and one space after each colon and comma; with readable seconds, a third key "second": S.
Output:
{"hour": 12, "minute": 24, "second": 8}
